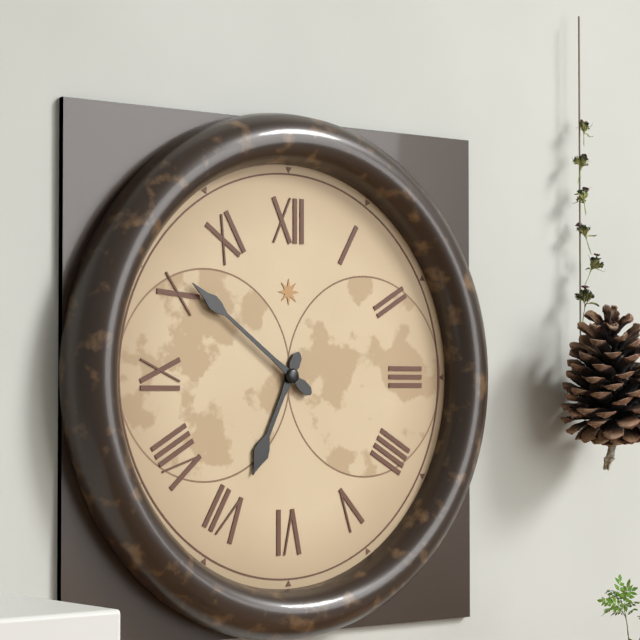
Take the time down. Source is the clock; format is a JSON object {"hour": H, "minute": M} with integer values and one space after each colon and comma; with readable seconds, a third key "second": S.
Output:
{"hour": 6, "minute": 51}
